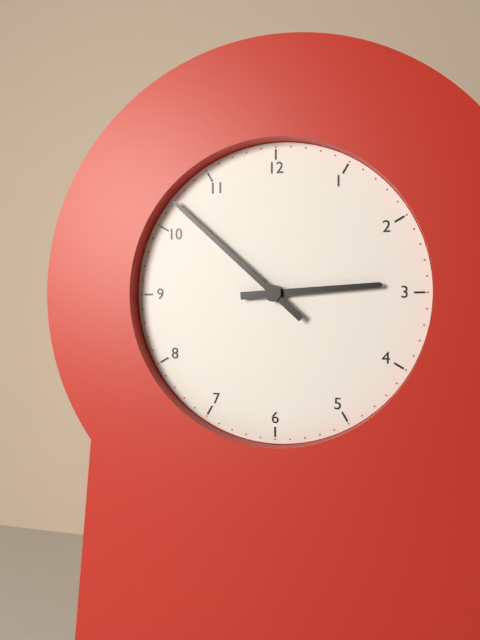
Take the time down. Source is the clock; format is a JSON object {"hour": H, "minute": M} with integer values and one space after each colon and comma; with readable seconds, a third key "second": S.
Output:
{"hour": 2, "minute": 52}
